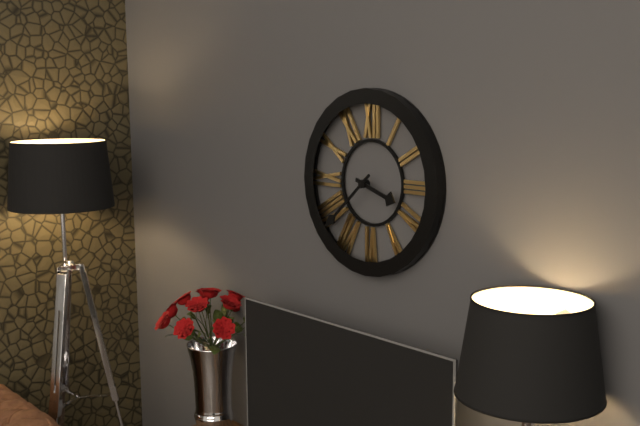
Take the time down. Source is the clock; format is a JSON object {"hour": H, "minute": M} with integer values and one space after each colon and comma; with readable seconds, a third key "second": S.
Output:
{"hour": 3, "minute": 38}
